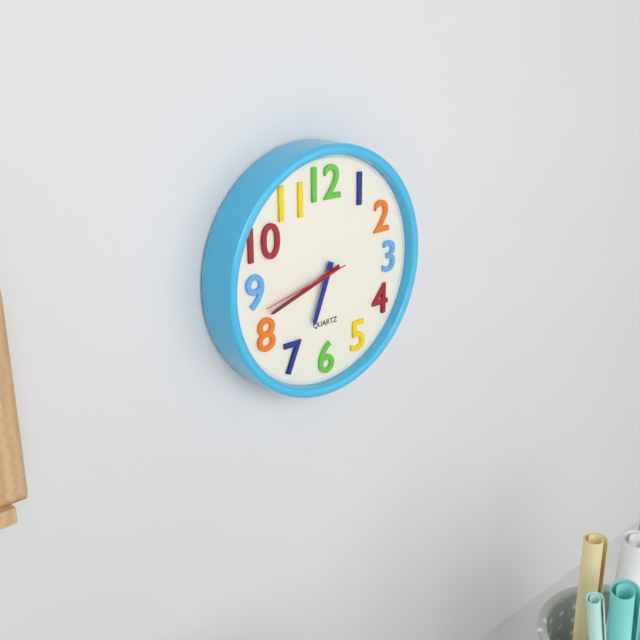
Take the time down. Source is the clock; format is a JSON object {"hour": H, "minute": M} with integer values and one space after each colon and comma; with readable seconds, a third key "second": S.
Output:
{"hour": 6, "minute": 42, "second": 43}
